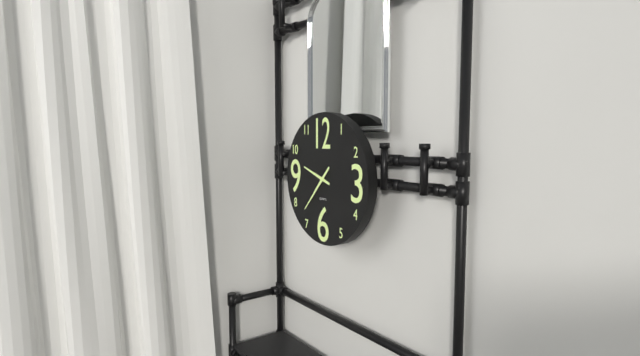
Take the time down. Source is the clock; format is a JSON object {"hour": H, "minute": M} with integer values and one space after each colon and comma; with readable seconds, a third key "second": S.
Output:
{"hour": 9, "minute": 37}
